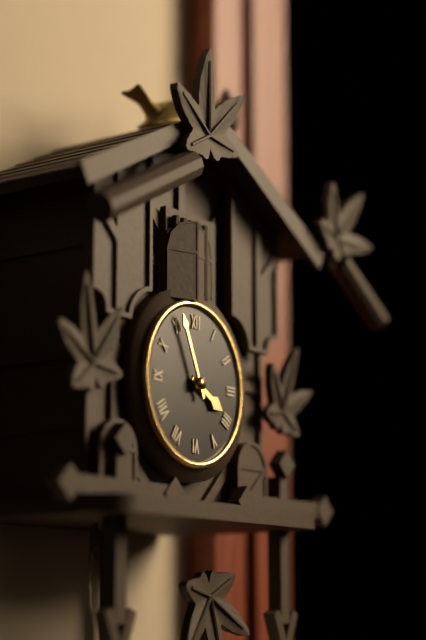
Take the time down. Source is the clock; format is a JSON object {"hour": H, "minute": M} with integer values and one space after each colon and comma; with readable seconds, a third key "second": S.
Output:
{"hour": 3, "minute": 56}
